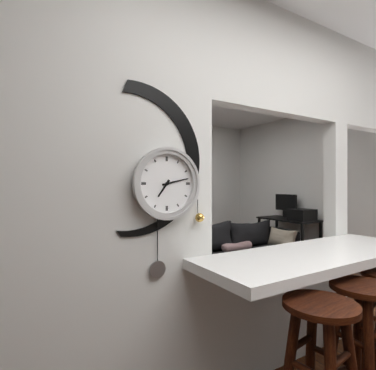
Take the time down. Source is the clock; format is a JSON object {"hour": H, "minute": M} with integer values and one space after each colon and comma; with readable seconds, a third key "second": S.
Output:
{"hour": 7, "minute": 13}
